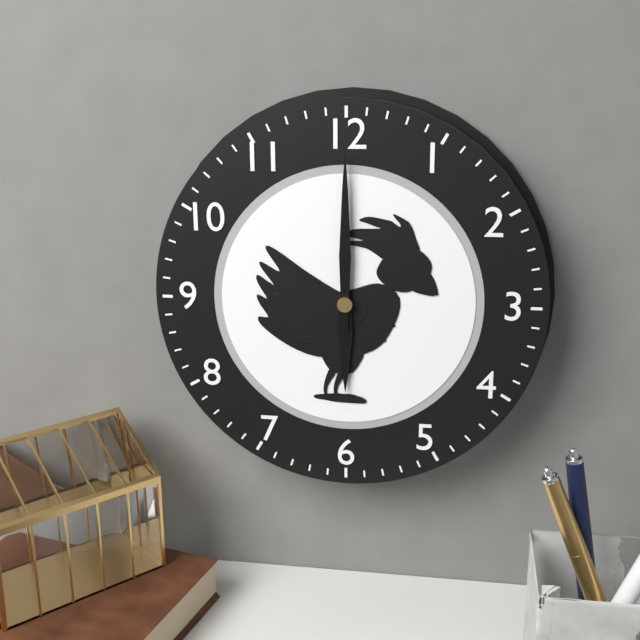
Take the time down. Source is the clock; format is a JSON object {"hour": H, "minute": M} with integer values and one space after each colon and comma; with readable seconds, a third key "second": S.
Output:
{"hour": 6, "minute": 0}
